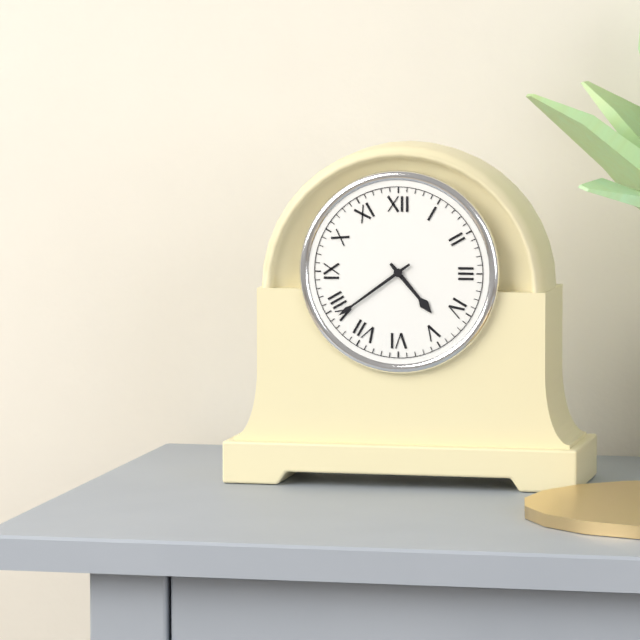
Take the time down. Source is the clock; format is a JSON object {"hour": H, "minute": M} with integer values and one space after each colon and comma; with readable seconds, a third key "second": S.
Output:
{"hour": 4, "minute": 39}
